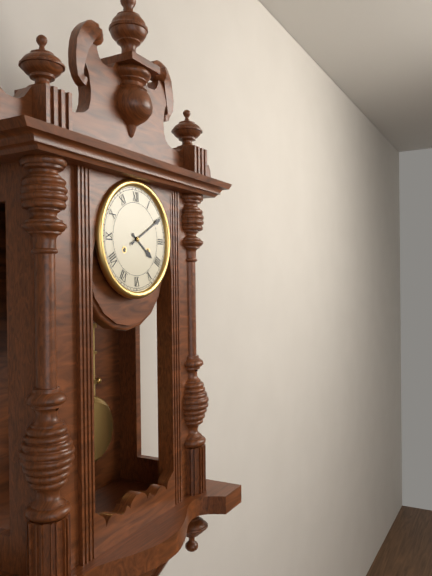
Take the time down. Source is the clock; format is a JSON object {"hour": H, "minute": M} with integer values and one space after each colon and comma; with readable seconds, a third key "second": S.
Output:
{"hour": 4, "minute": 10}
